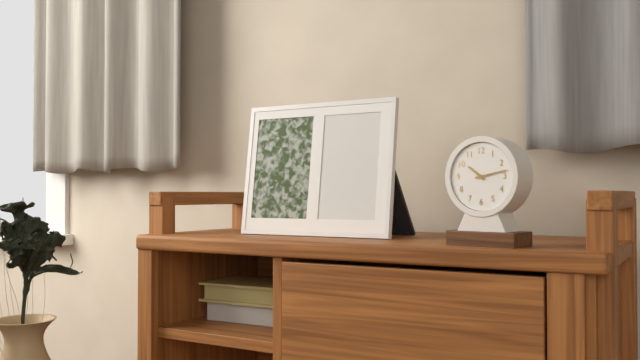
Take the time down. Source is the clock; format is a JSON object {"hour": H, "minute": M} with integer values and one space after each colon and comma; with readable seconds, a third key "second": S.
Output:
{"hour": 10, "minute": 13}
